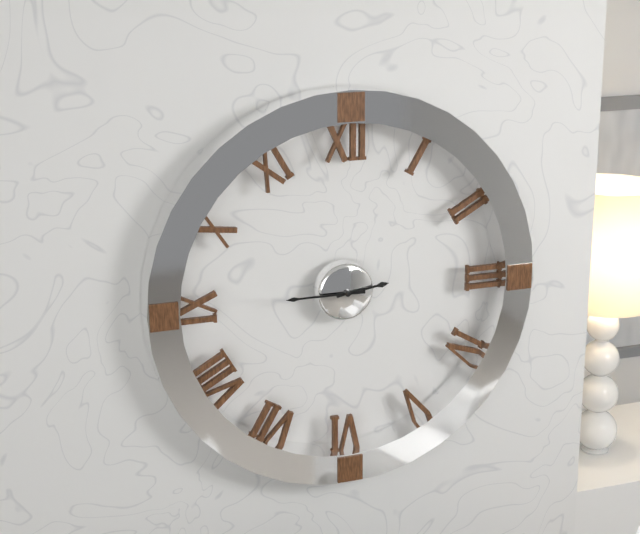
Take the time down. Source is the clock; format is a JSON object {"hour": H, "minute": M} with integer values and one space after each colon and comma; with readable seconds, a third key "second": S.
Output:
{"hour": 2, "minute": 45}
